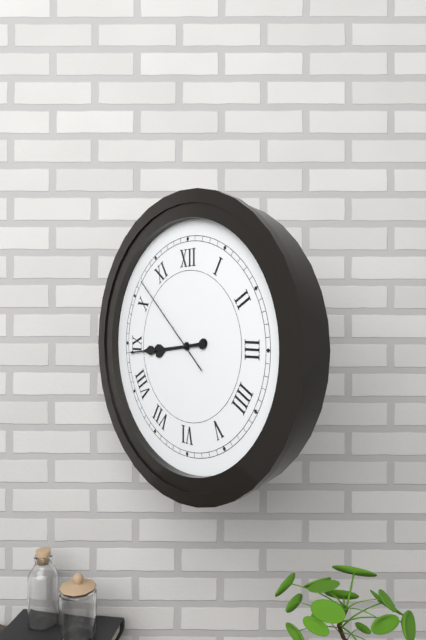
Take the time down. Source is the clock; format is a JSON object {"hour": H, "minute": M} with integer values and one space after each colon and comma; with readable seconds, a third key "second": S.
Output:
{"hour": 8, "minute": 44, "second": 52}
